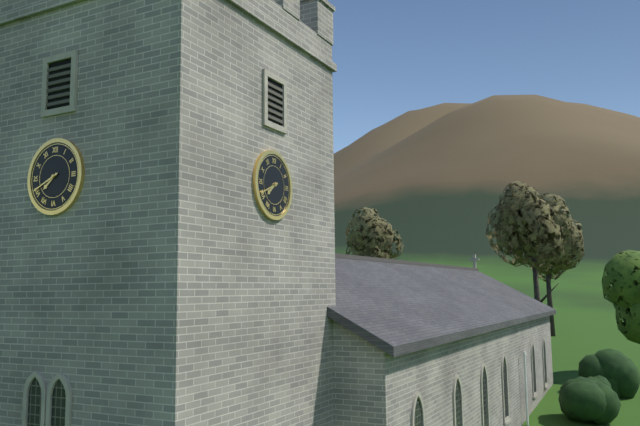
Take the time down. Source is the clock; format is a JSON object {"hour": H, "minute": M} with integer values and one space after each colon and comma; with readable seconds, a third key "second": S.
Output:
{"hour": 7, "minute": 41}
